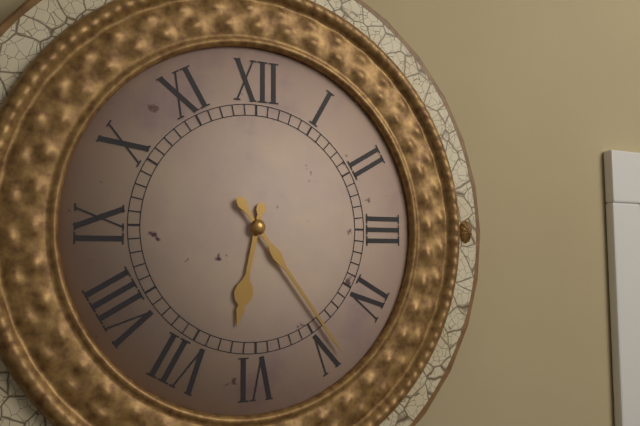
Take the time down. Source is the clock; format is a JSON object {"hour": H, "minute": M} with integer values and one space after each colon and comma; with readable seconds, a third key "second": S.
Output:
{"hour": 6, "minute": 24}
